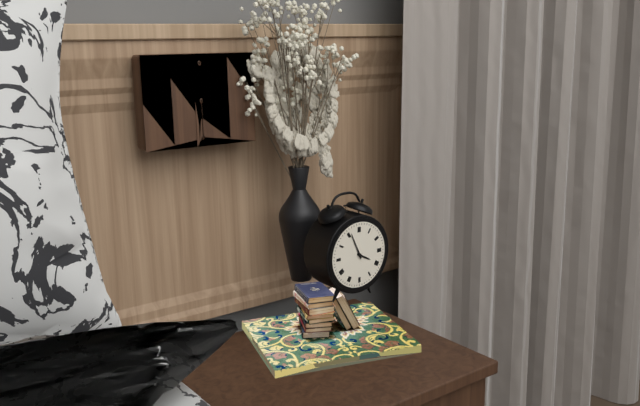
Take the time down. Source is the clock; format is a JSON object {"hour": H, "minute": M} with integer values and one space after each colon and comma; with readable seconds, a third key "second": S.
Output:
{"hour": 3, "minute": 56}
